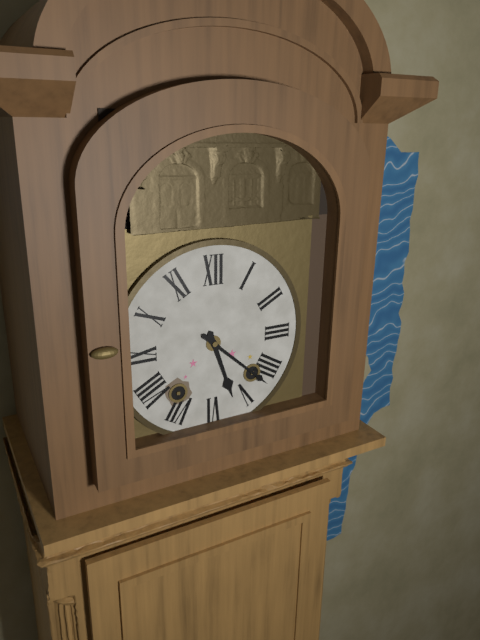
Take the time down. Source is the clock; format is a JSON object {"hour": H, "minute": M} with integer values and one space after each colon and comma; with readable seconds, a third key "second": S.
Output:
{"hour": 5, "minute": 22}
